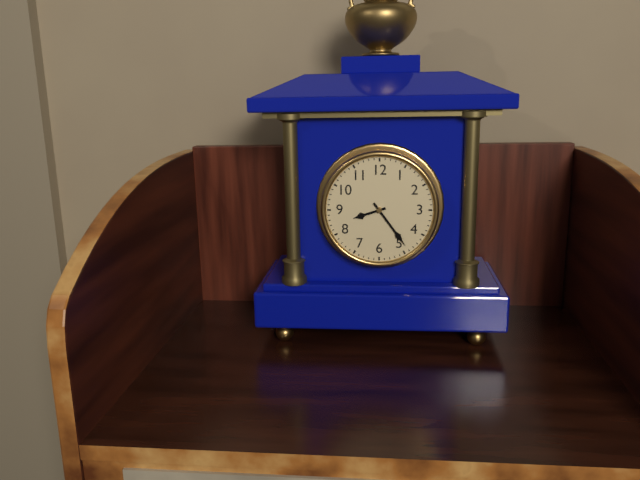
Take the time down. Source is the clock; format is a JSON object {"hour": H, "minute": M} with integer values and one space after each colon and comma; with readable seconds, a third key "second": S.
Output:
{"hour": 8, "minute": 24}
